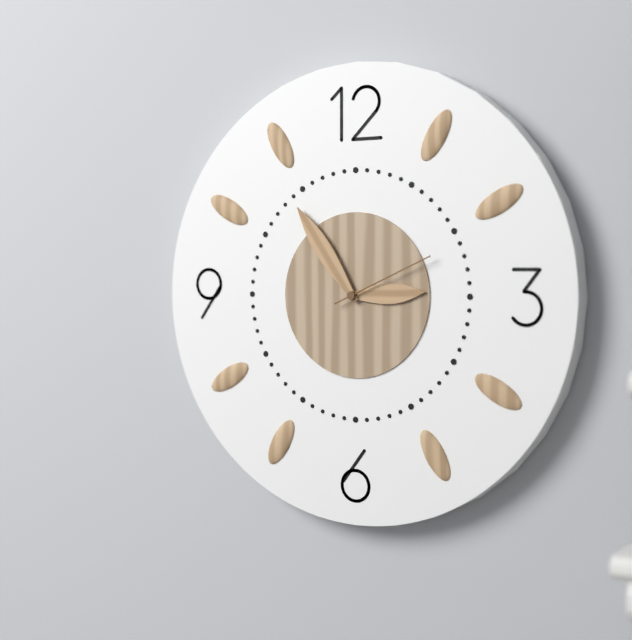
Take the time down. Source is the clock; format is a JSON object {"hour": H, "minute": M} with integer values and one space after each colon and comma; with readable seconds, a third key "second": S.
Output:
{"hour": 2, "minute": 54, "second": 11}
